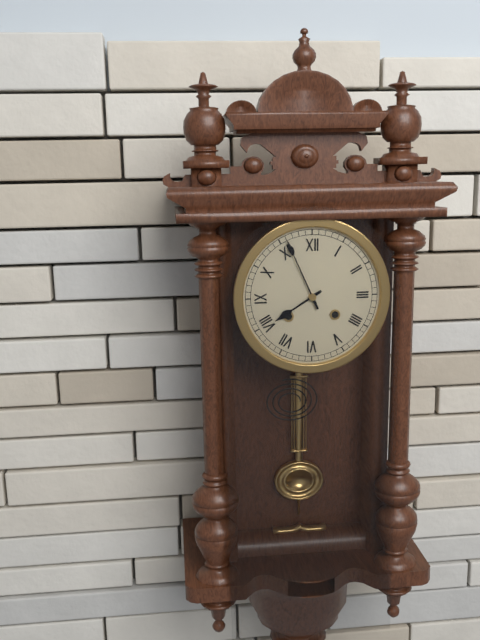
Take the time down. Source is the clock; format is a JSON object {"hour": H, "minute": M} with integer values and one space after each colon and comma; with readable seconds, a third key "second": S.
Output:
{"hour": 7, "minute": 56}
